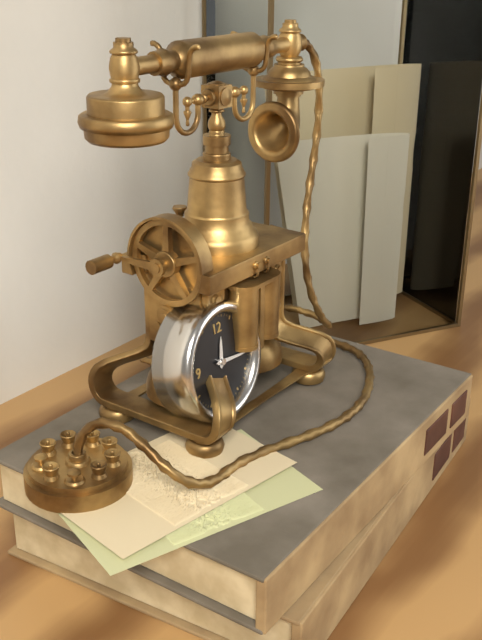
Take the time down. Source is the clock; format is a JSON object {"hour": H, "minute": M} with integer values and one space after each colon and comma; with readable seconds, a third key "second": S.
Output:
{"hour": 12, "minute": 16}
